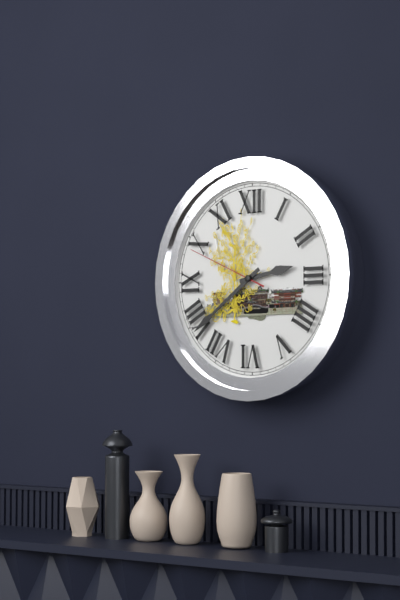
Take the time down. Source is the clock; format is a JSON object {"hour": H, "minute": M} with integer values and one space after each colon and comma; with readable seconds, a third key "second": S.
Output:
{"hour": 2, "minute": 39, "second": 49}
